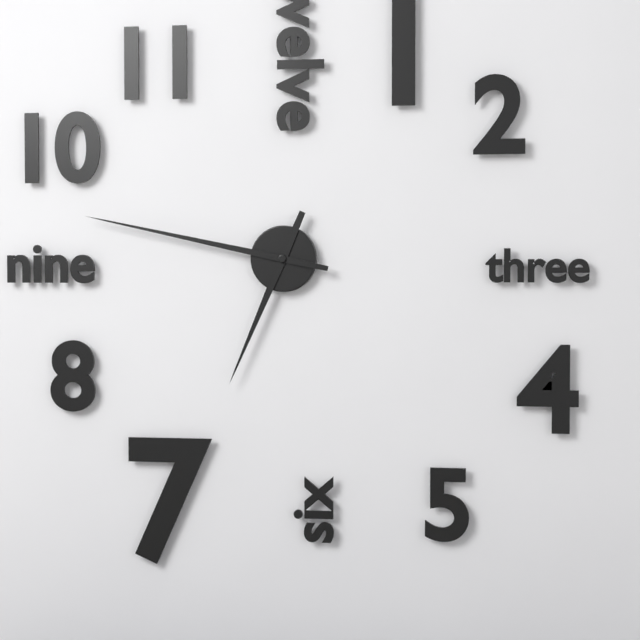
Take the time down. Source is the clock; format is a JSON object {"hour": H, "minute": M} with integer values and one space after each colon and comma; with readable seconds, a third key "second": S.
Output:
{"hour": 6, "minute": 47}
